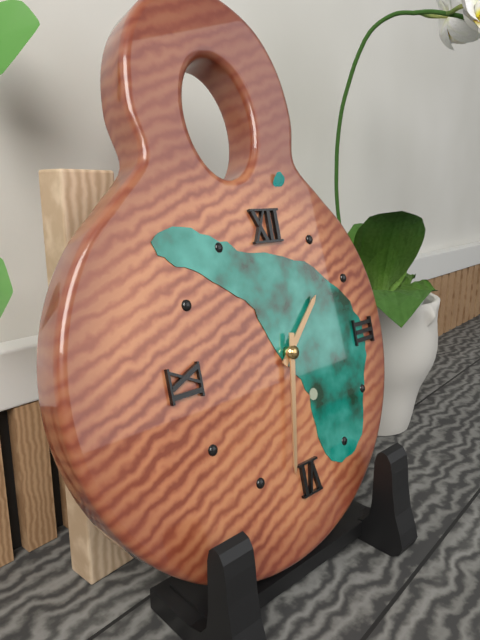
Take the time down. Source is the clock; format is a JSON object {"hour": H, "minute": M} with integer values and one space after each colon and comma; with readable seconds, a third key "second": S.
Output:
{"hour": 1, "minute": 32}
